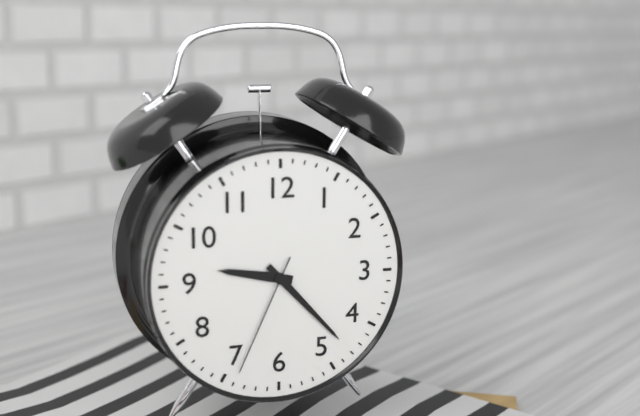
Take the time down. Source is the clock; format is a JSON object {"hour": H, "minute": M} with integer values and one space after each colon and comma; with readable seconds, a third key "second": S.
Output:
{"hour": 9, "minute": 23, "second": 34}
